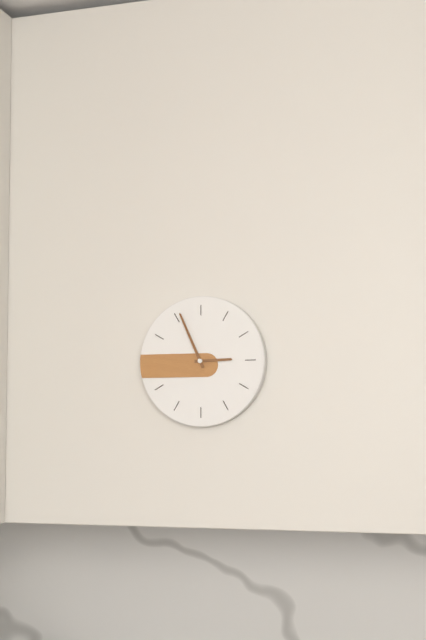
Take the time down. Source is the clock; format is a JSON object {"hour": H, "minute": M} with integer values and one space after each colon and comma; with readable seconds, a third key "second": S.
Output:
{"hour": 2, "minute": 56}
